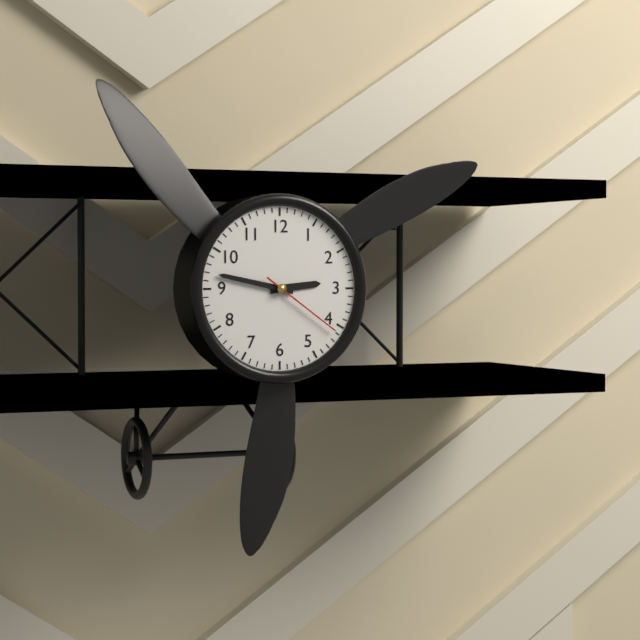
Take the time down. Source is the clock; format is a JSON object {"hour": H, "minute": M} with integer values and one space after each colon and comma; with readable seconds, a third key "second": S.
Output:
{"hour": 2, "minute": 47, "second": 21}
